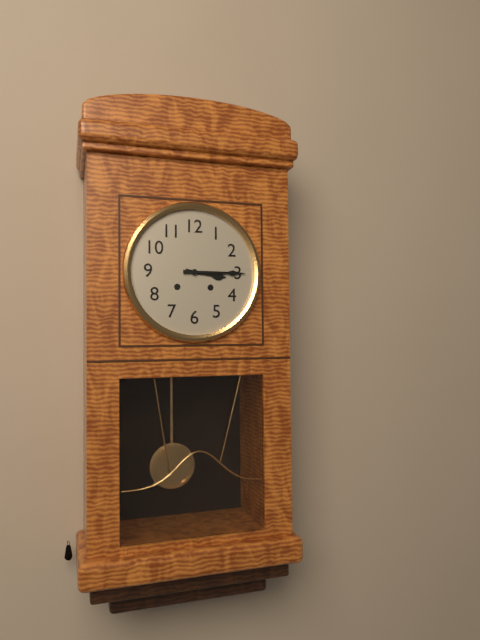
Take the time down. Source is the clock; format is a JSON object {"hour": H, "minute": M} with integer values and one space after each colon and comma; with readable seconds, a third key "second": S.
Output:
{"hour": 3, "minute": 15}
